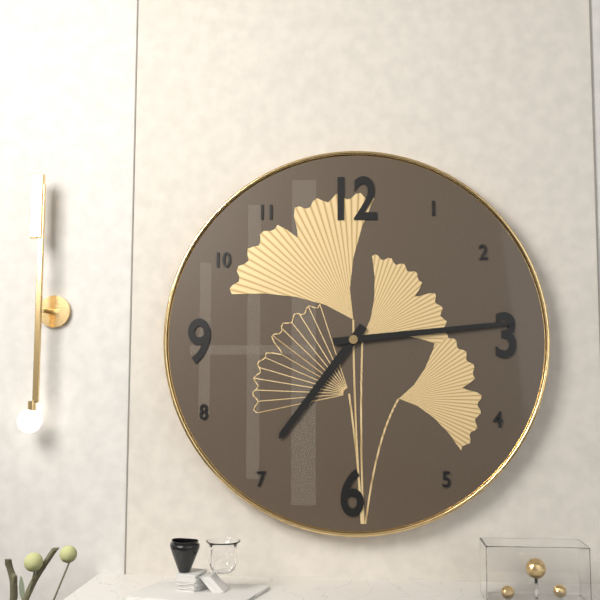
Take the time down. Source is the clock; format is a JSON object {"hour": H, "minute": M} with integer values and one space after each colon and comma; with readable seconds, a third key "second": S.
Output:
{"hour": 7, "minute": 14}
